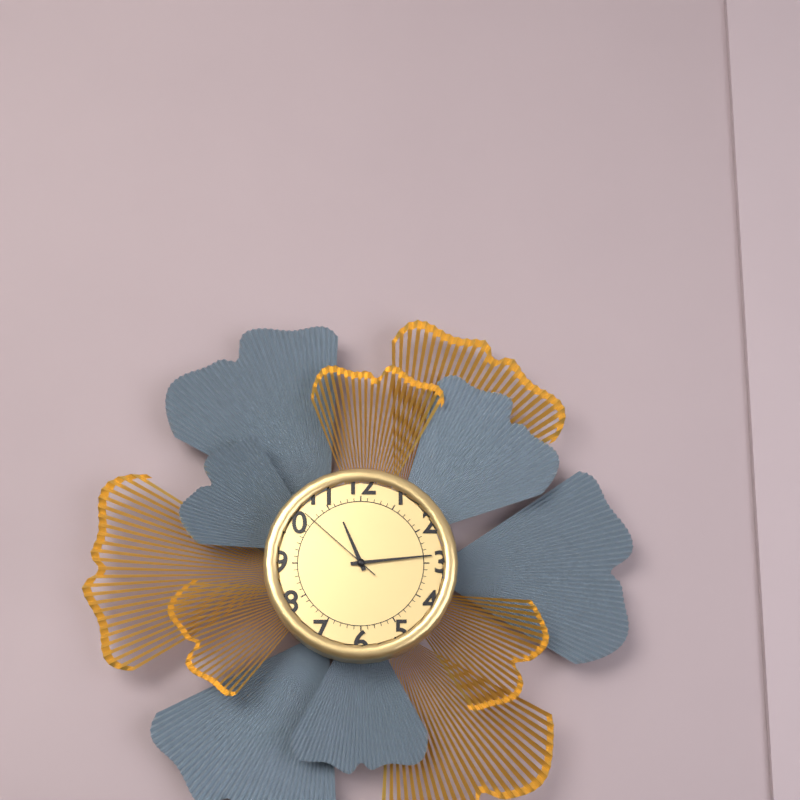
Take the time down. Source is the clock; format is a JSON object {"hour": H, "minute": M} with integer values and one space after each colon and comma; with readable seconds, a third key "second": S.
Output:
{"hour": 11, "minute": 14, "second": 52}
